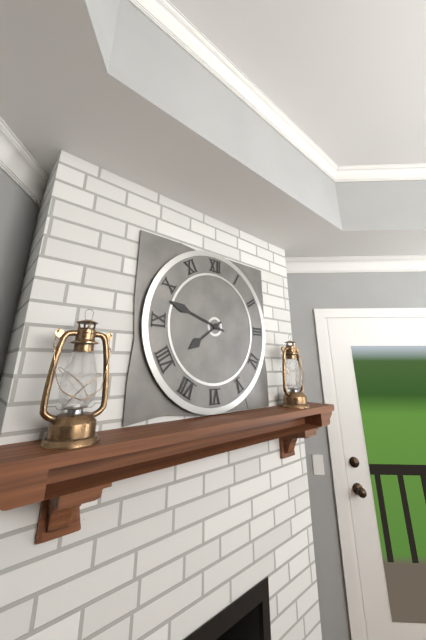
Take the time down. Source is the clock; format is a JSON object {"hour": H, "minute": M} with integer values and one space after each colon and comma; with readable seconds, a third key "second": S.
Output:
{"hour": 7, "minute": 48}
